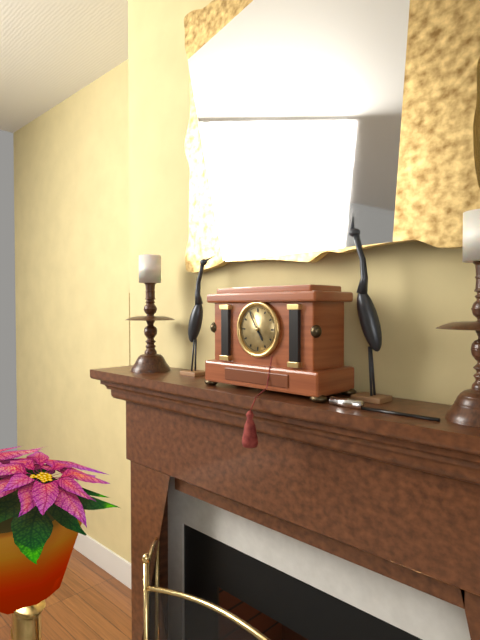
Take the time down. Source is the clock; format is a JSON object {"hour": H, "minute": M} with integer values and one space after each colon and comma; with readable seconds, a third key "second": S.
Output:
{"hour": 4, "minute": 55}
